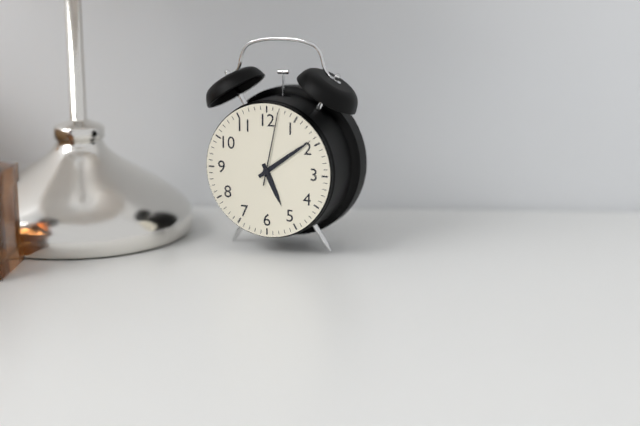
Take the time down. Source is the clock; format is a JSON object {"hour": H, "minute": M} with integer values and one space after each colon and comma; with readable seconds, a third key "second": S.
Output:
{"hour": 5, "minute": 9, "second": 2}
